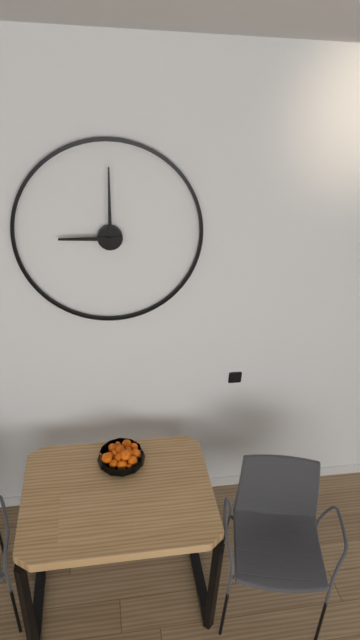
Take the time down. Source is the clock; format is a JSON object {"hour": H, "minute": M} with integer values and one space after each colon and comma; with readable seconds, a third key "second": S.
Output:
{"hour": 9, "minute": 0}
